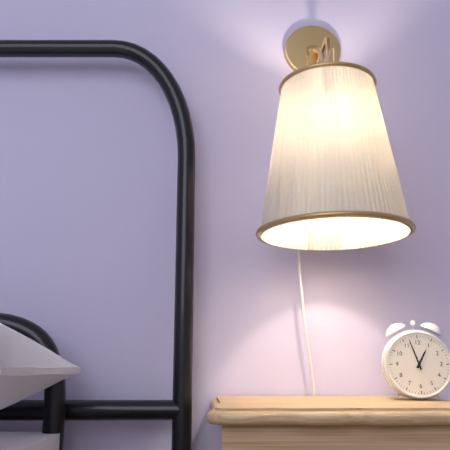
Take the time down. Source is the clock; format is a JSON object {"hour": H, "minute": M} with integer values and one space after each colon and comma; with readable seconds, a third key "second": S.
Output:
{"hour": 12, "minute": 57}
